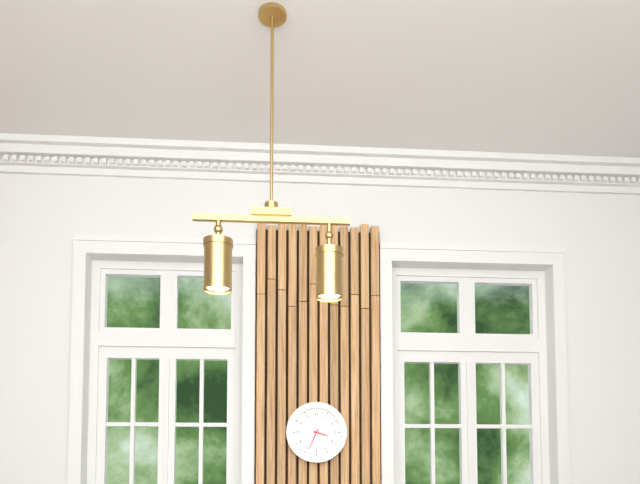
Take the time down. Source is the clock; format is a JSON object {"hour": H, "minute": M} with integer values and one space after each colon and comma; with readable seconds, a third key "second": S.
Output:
{"hour": 3, "minute": 34}
